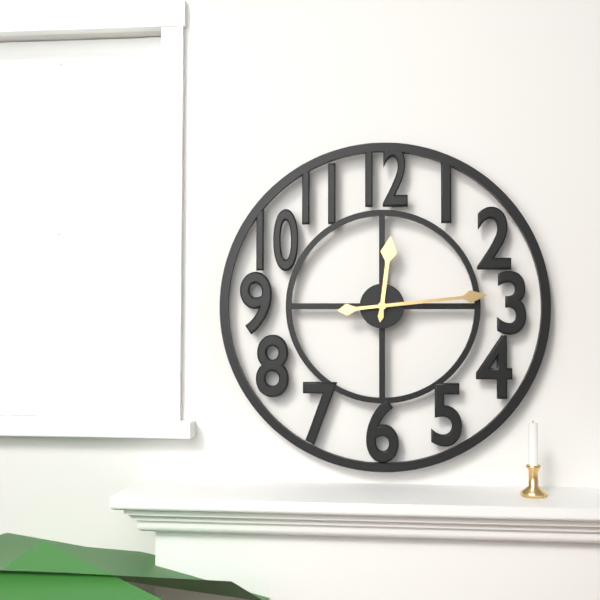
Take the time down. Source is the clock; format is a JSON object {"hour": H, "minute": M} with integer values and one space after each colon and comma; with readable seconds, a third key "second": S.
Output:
{"hour": 12, "minute": 14}
